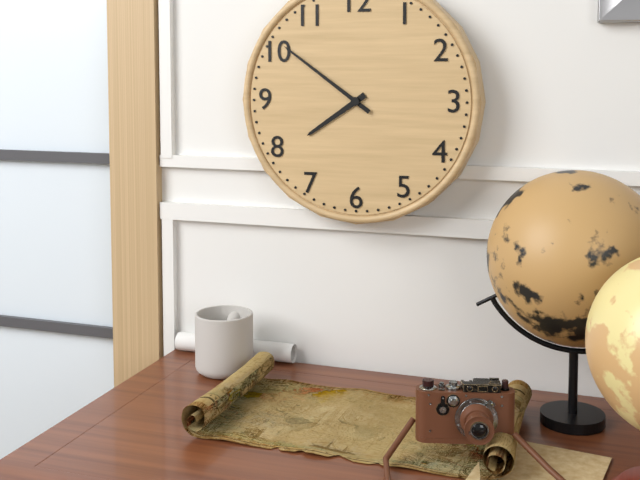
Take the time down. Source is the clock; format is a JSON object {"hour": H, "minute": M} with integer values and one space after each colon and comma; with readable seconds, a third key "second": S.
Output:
{"hour": 7, "minute": 51}
